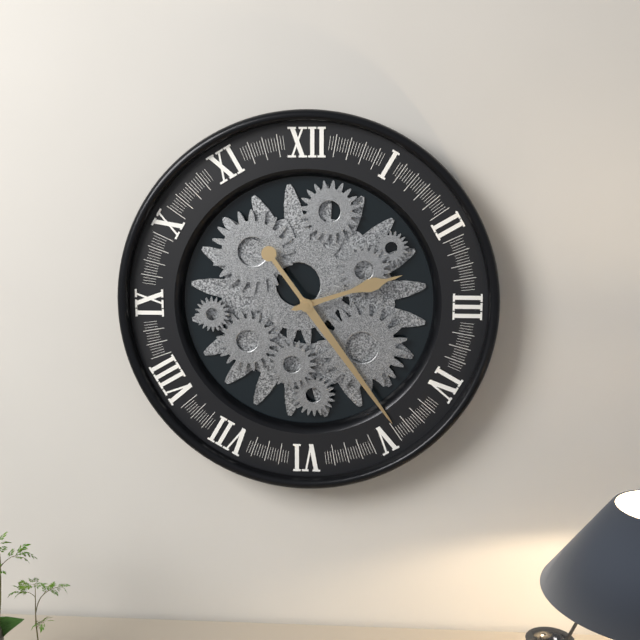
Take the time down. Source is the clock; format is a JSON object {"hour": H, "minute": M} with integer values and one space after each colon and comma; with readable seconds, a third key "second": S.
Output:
{"hour": 2, "minute": 24}
